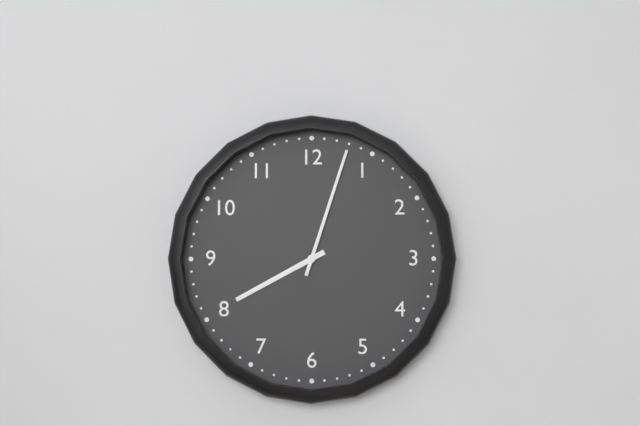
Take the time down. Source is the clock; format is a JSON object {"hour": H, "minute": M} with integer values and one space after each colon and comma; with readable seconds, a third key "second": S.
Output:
{"hour": 8, "minute": 3}
